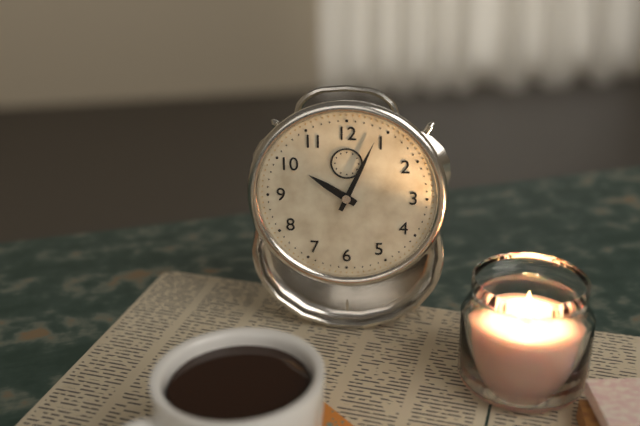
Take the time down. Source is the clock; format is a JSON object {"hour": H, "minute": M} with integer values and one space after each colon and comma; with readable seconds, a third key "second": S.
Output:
{"hour": 10, "minute": 4}
